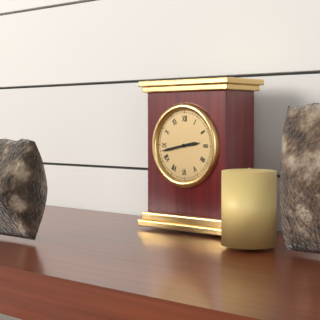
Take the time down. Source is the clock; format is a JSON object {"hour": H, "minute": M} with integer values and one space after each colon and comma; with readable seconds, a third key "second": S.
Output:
{"hour": 2, "minute": 43}
